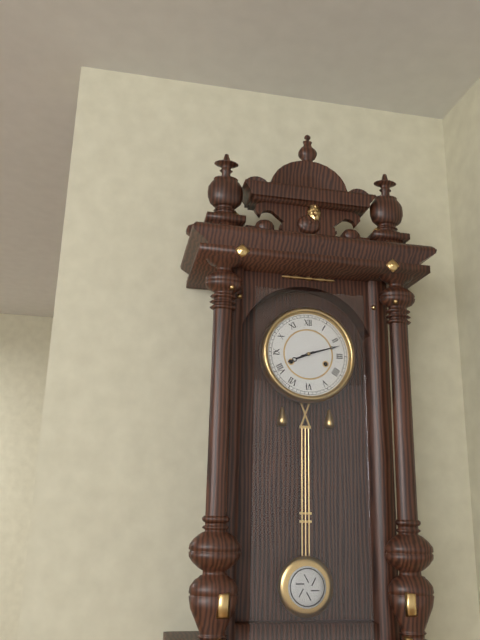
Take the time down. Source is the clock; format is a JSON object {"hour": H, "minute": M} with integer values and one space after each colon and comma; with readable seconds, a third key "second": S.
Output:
{"hour": 8, "minute": 12}
